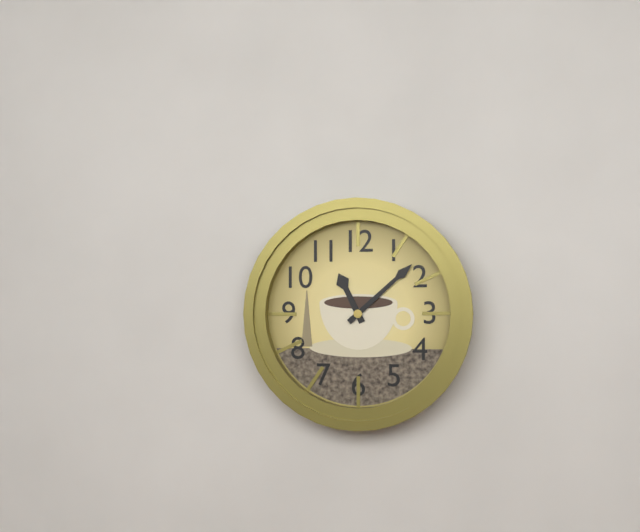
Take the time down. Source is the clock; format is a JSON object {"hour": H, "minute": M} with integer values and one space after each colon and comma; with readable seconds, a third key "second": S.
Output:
{"hour": 11, "minute": 8}
